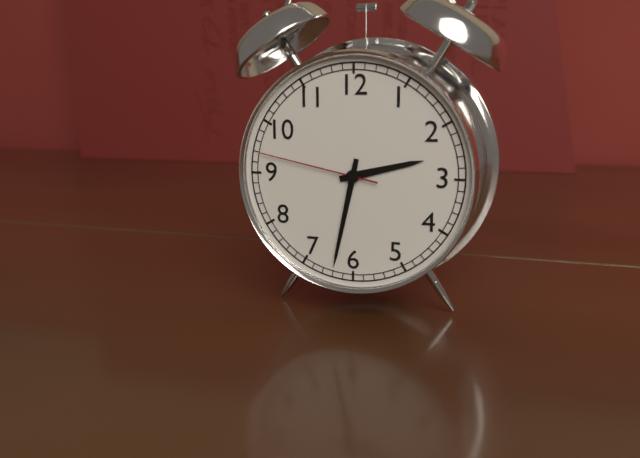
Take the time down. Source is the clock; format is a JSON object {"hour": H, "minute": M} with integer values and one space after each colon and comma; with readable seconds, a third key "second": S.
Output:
{"hour": 2, "minute": 32, "second": 47}
